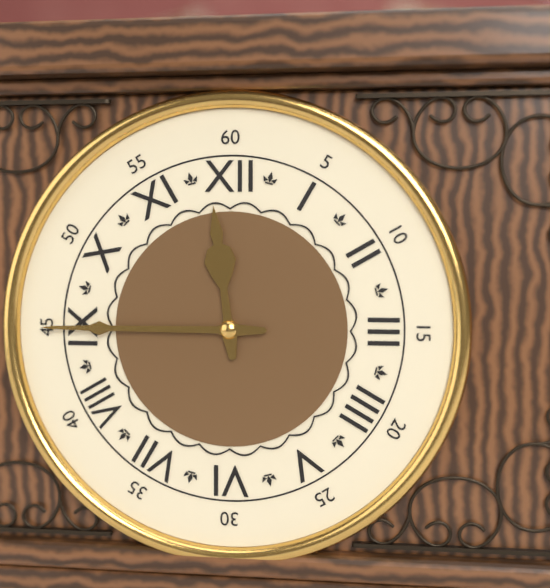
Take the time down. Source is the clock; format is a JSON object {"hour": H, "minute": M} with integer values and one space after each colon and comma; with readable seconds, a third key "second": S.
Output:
{"hour": 11, "minute": 45}
